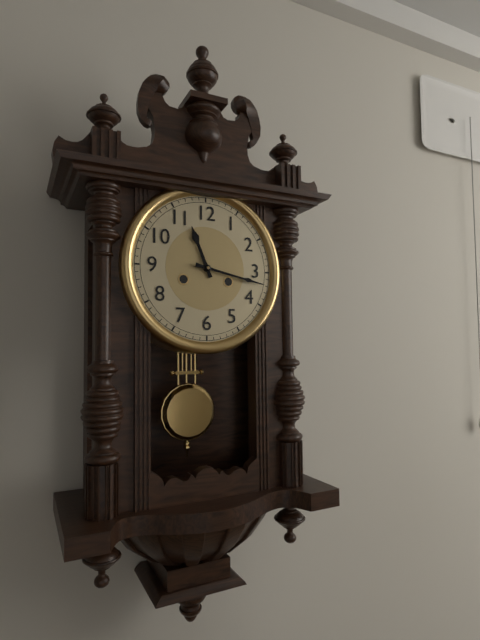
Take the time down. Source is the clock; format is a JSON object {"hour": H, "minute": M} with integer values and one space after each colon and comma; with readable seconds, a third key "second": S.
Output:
{"hour": 11, "minute": 17}
